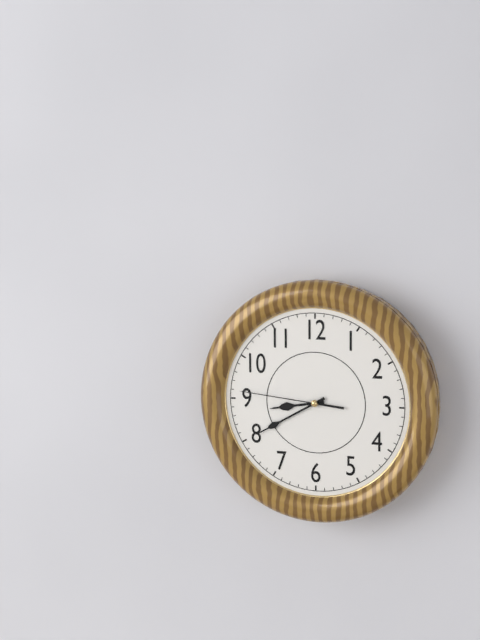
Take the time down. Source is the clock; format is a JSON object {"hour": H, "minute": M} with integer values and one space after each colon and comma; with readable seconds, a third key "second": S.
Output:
{"hour": 8, "minute": 40, "second": 46}
